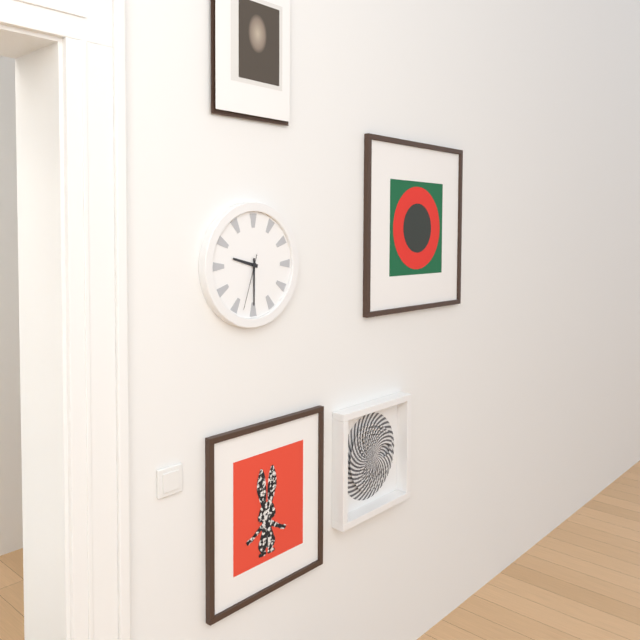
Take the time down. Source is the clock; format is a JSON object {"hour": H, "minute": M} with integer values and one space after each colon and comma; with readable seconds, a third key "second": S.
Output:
{"hour": 9, "minute": 30, "second": 33}
